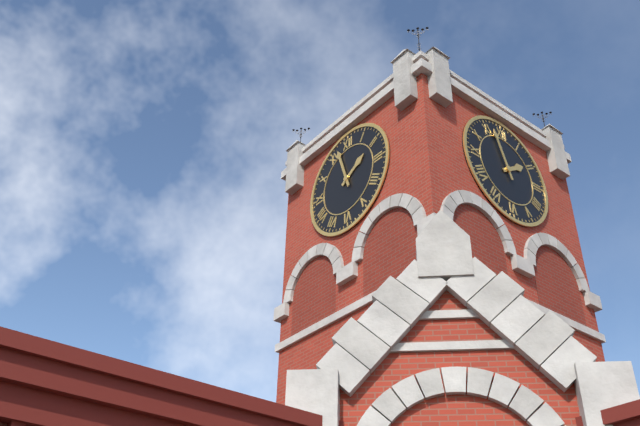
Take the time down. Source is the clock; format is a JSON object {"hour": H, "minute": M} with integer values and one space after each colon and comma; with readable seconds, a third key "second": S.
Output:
{"hour": 1, "minute": 57}
